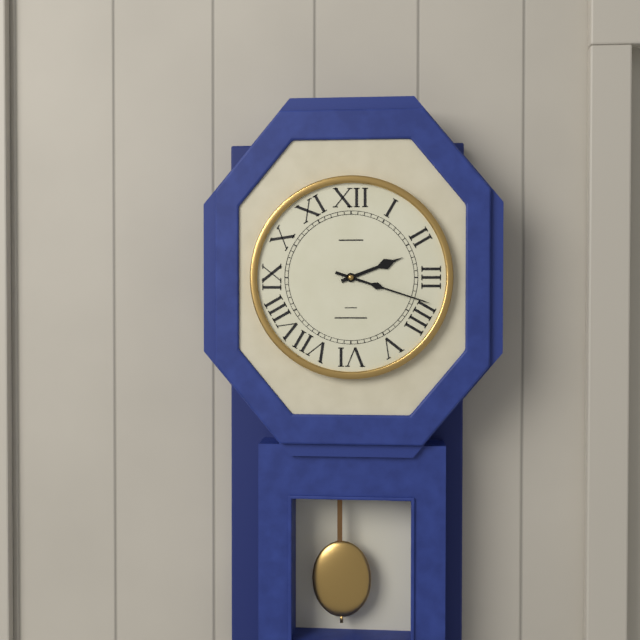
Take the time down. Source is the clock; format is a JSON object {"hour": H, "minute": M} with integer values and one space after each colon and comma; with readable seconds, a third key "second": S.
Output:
{"hour": 2, "minute": 18}
